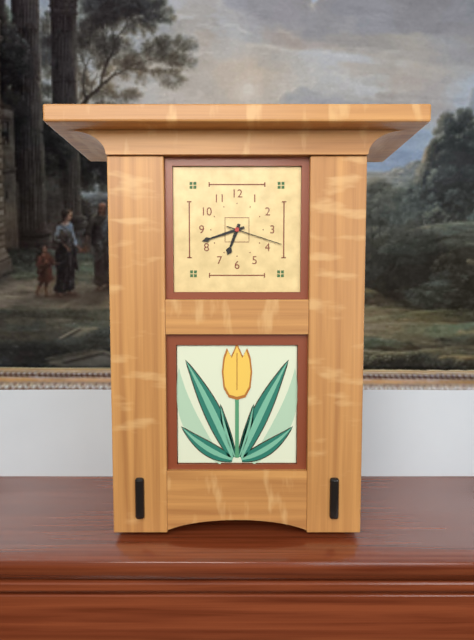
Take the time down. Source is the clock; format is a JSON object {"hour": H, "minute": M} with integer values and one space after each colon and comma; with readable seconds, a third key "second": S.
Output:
{"hour": 6, "minute": 42, "second": 18}
